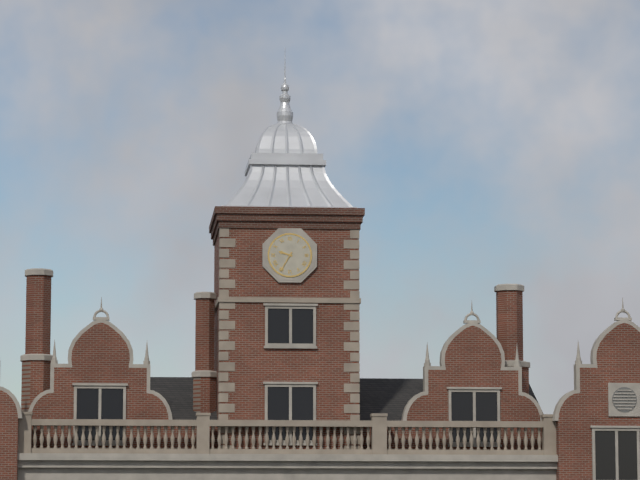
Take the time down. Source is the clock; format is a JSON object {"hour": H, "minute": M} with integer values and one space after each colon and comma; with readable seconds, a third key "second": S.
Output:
{"hour": 9, "minute": 35}
